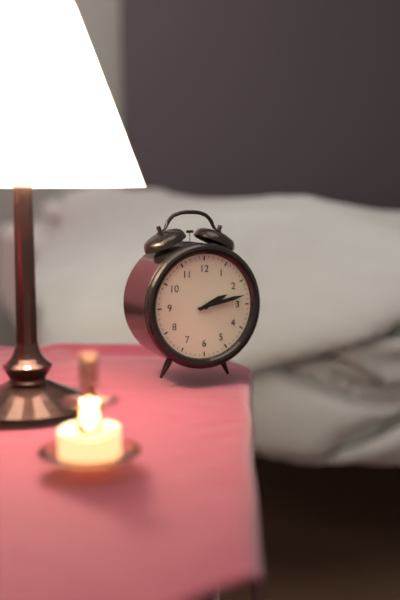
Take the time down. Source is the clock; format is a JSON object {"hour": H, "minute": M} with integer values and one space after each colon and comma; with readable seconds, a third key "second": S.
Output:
{"hour": 2, "minute": 13}
